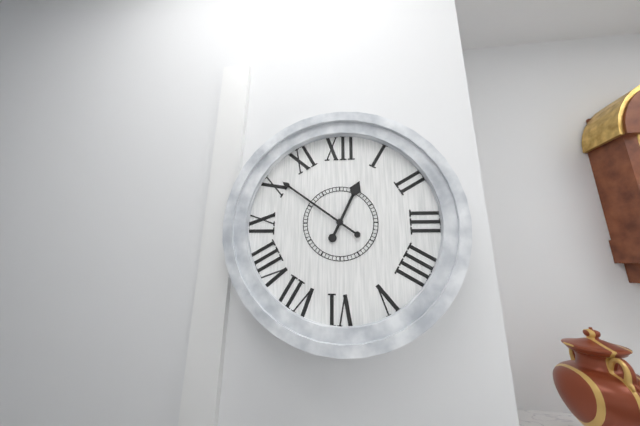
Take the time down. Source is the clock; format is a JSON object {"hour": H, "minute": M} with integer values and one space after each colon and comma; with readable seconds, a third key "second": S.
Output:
{"hour": 12, "minute": 51}
